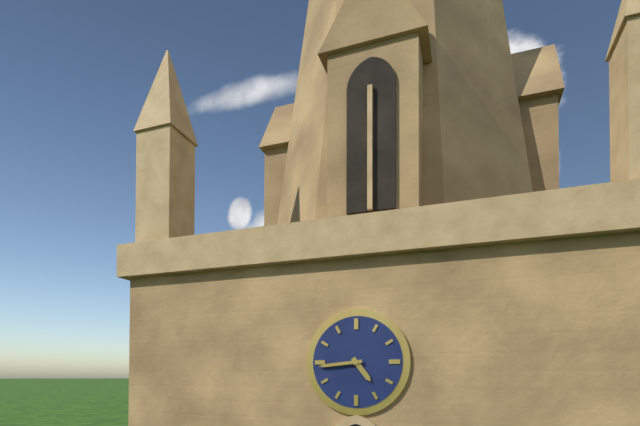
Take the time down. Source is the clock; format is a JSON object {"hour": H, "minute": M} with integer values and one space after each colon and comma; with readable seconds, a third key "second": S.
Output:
{"hour": 4, "minute": 44}
